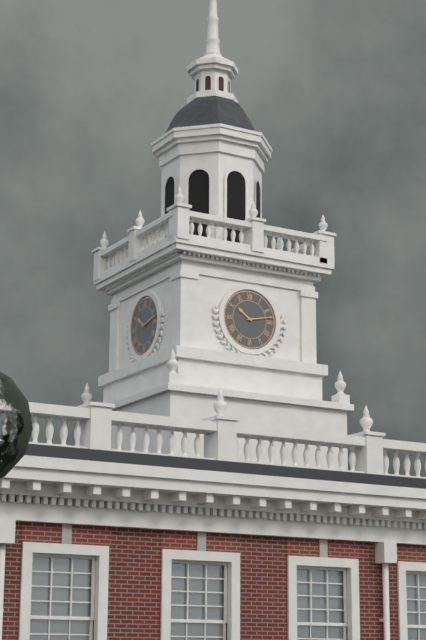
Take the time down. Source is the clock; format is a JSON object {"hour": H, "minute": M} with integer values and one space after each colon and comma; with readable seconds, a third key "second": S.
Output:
{"hour": 10, "minute": 13}
